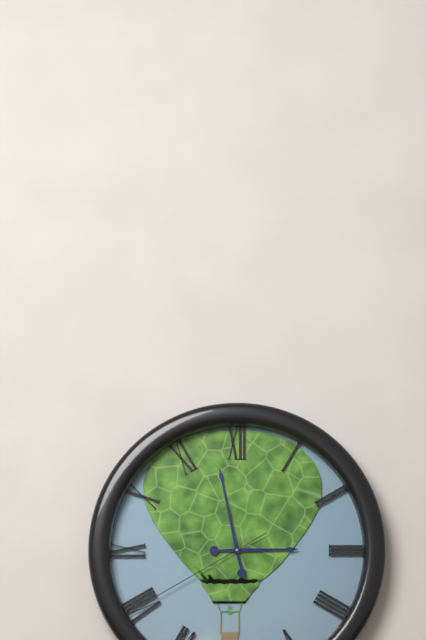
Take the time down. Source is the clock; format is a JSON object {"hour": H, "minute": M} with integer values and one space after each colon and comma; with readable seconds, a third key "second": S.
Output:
{"hour": 2, "minute": 58, "second": 40}
